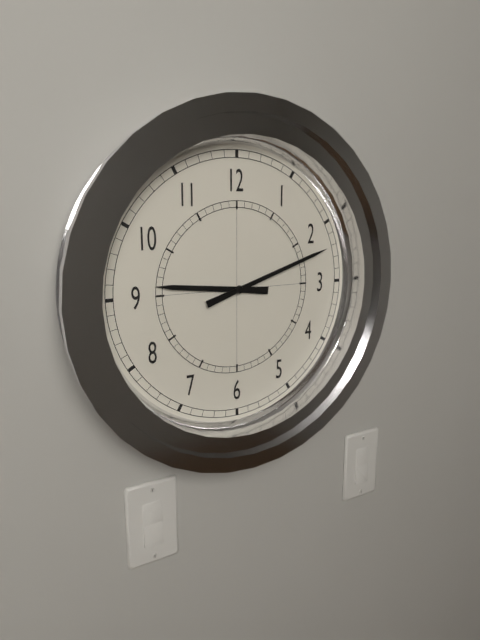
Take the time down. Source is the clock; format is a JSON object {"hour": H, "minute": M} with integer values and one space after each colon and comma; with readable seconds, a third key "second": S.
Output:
{"hour": 9, "minute": 12}
